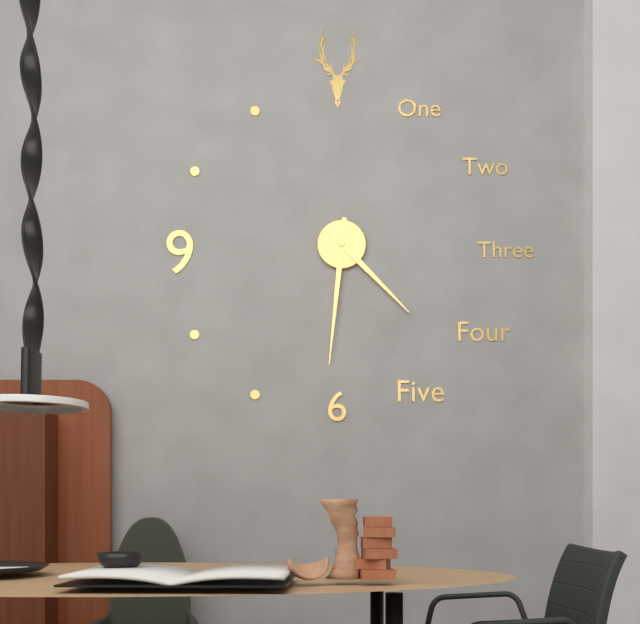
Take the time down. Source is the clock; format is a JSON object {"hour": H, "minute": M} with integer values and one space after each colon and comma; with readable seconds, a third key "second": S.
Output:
{"hour": 4, "minute": 31}
